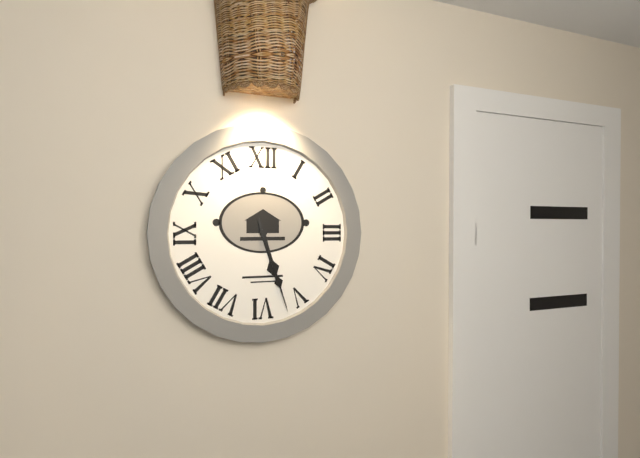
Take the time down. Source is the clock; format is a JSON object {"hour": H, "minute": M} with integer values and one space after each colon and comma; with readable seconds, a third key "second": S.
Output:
{"hour": 5, "minute": 27}
